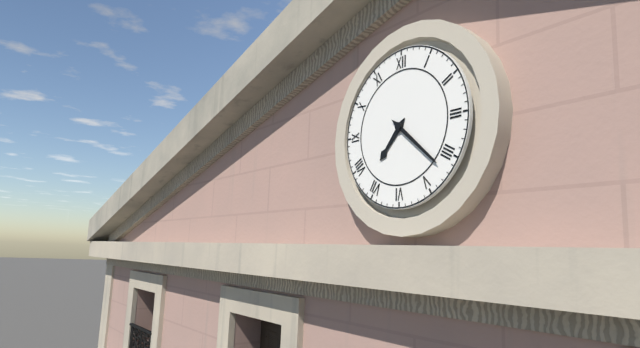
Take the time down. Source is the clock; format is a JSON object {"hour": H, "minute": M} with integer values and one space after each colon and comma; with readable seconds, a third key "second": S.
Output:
{"hour": 7, "minute": 22}
